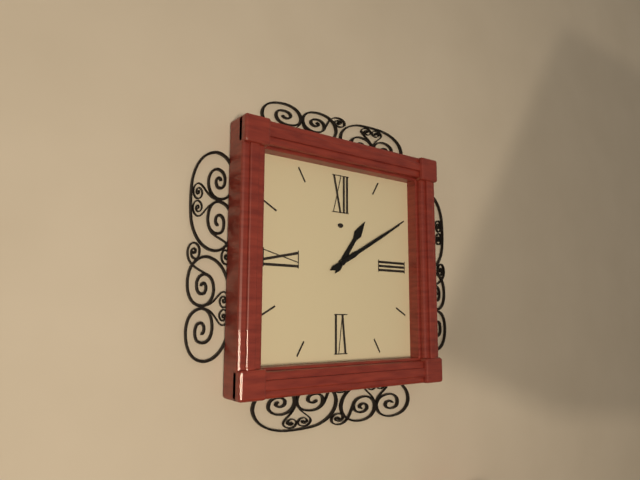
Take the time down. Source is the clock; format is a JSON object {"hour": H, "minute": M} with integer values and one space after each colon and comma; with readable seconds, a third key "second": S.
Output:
{"hour": 1, "minute": 10}
